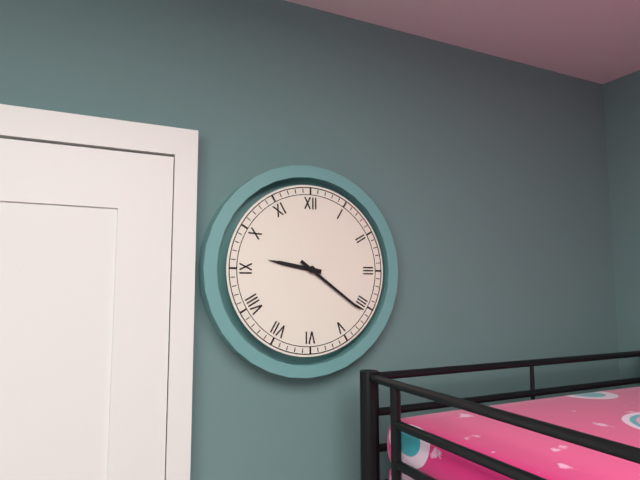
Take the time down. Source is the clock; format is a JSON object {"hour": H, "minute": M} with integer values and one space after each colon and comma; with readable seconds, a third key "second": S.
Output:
{"hour": 9, "minute": 21}
